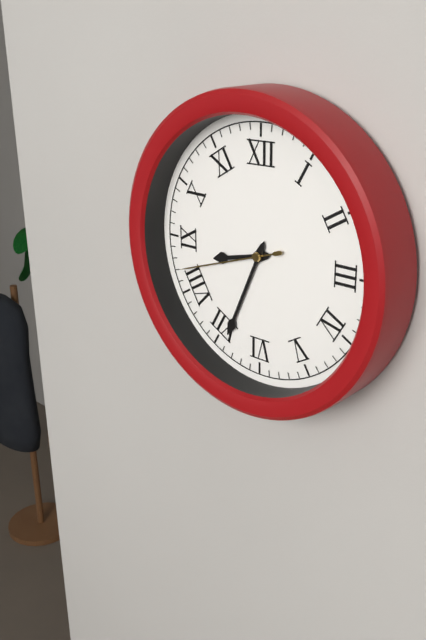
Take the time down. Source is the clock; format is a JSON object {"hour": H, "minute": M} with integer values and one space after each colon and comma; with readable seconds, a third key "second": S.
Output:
{"hour": 8, "minute": 34, "second": 42}
